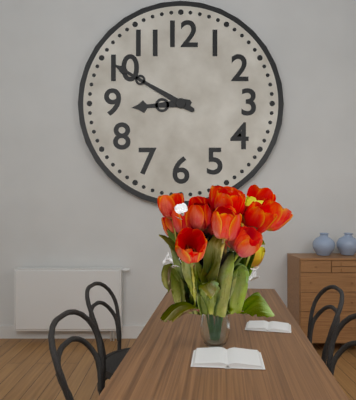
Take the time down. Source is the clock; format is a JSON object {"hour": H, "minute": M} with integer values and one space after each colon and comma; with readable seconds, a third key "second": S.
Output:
{"hour": 8, "minute": 50}
